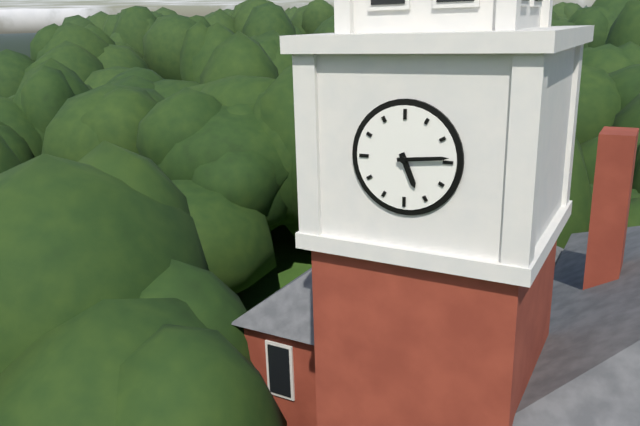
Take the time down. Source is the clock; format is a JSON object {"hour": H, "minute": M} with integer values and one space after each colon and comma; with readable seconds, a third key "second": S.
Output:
{"hour": 5, "minute": 14}
